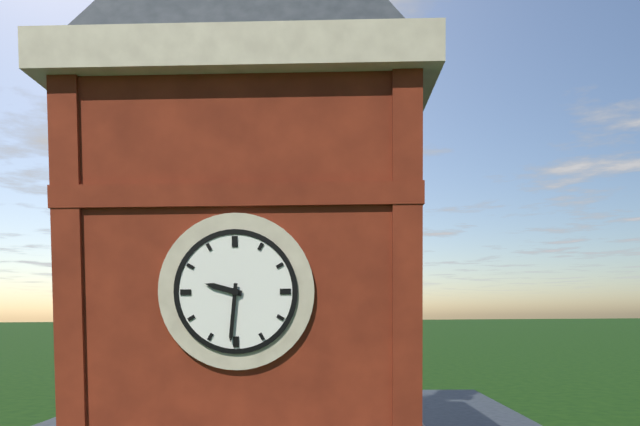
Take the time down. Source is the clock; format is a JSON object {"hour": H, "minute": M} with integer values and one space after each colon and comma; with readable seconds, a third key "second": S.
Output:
{"hour": 9, "minute": 31}
